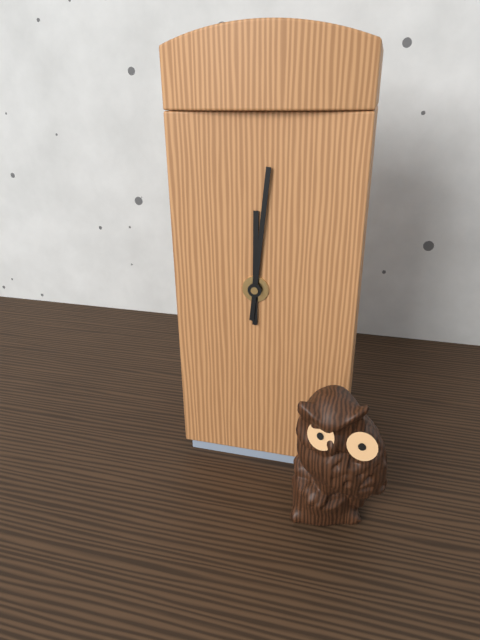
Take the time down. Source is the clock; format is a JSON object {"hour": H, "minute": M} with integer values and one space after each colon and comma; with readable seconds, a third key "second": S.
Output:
{"hour": 12, "minute": 1}
